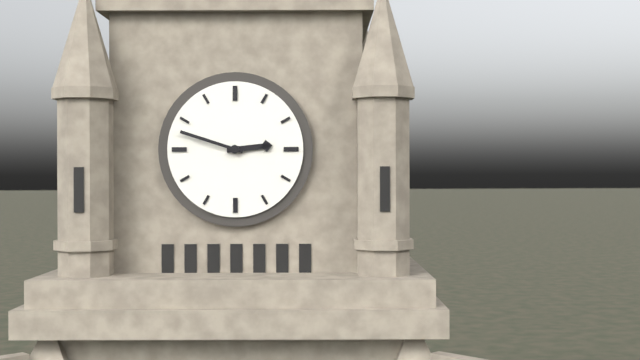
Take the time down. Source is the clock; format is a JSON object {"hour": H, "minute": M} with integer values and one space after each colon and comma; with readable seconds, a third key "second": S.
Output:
{"hour": 2, "minute": 48}
